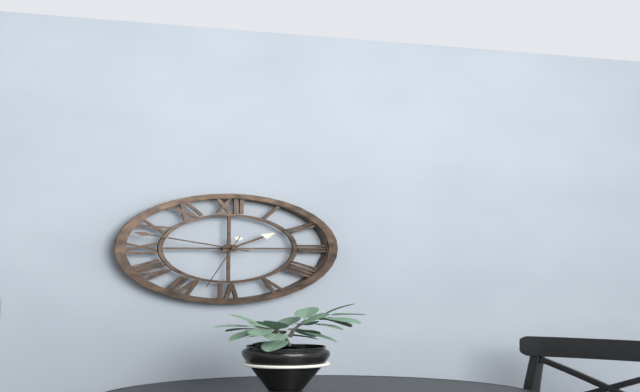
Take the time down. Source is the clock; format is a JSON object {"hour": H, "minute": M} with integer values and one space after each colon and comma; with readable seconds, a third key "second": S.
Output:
{"hour": 1, "minute": 48, "second": 33}
